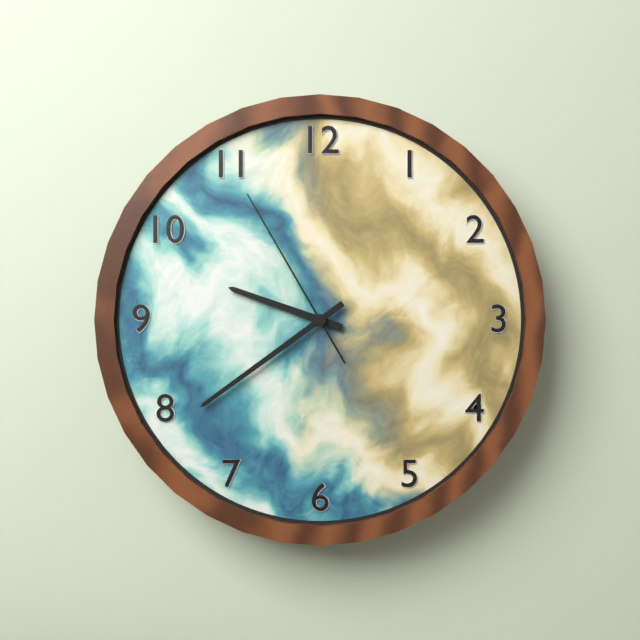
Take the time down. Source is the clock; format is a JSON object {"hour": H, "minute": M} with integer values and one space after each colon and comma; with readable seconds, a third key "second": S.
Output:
{"hour": 9, "minute": 39, "second": 55}
